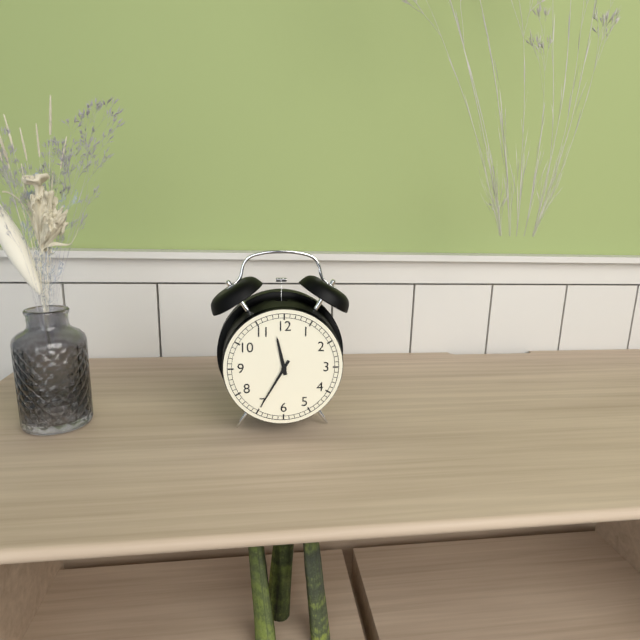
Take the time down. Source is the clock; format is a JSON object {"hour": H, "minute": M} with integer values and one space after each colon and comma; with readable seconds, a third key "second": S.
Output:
{"hour": 11, "minute": 35}
